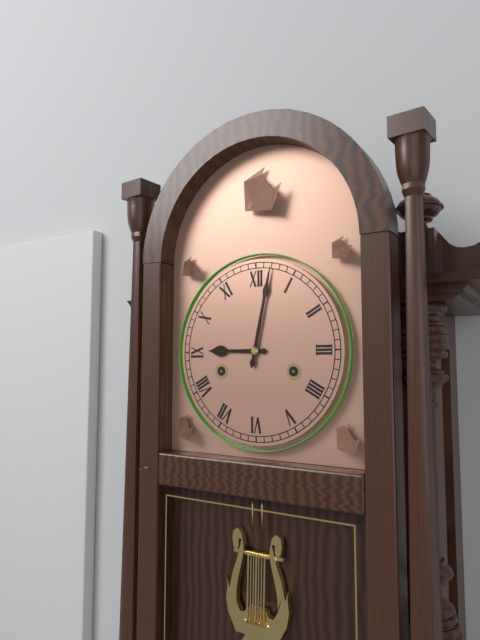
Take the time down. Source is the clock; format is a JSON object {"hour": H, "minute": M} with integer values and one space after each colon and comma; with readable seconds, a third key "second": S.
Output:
{"hour": 9, "minute": 2}
